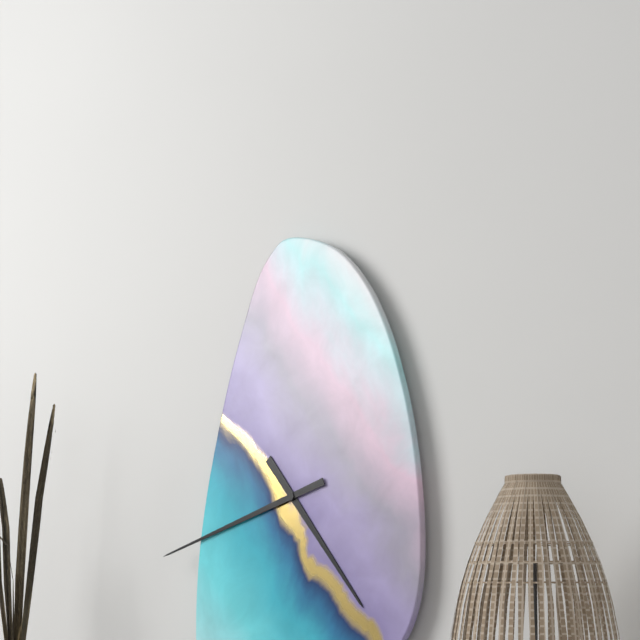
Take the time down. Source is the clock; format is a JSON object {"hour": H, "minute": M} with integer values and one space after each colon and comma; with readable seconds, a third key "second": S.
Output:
{"hour": 4, "minute": 42}
